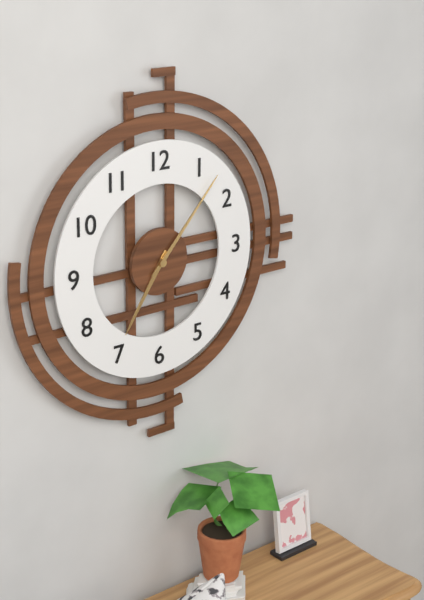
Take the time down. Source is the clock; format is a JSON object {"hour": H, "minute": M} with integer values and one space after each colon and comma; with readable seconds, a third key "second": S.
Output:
{"hour": 7, "minute": 7}
